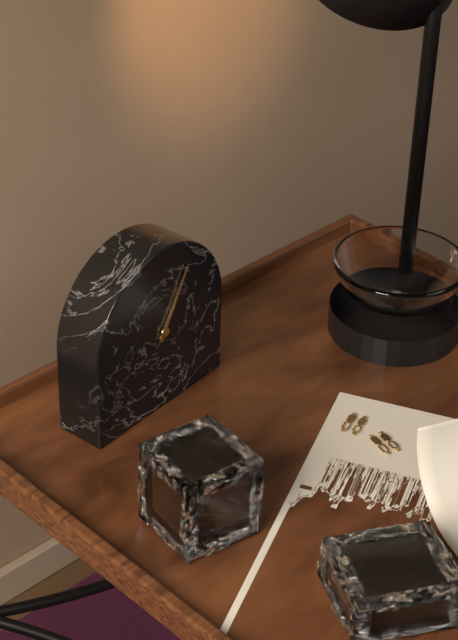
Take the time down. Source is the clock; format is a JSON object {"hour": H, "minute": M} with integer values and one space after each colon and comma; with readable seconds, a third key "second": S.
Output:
{"hour": 1, "minute": 5}
